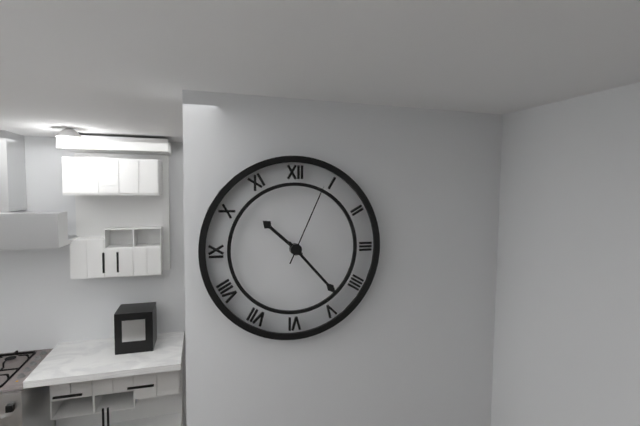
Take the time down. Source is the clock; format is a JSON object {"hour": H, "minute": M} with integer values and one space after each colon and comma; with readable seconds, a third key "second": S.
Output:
{"hour": 10, "minute": 23, "second": 4}
